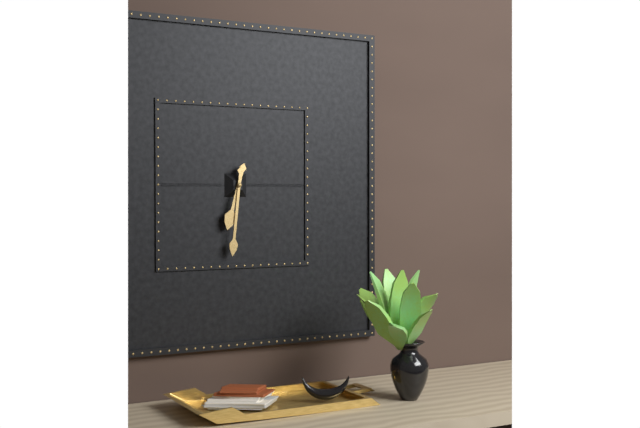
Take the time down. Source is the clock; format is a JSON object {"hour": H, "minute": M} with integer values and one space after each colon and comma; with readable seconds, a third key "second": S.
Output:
{"hour": 6, "minute": 31}
